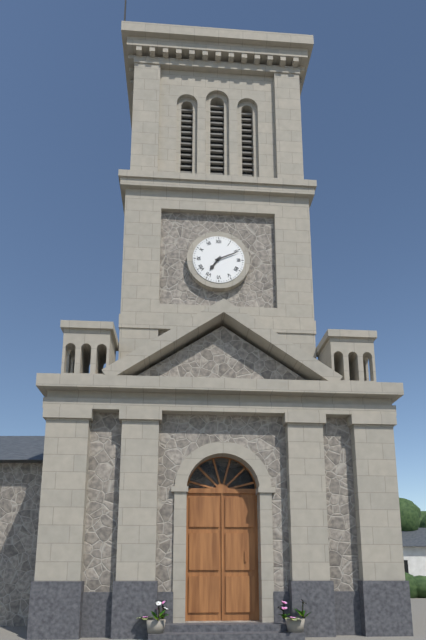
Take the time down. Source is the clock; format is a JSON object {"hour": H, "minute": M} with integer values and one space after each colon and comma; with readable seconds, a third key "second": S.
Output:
{"hour": 7, "minute": 11}
